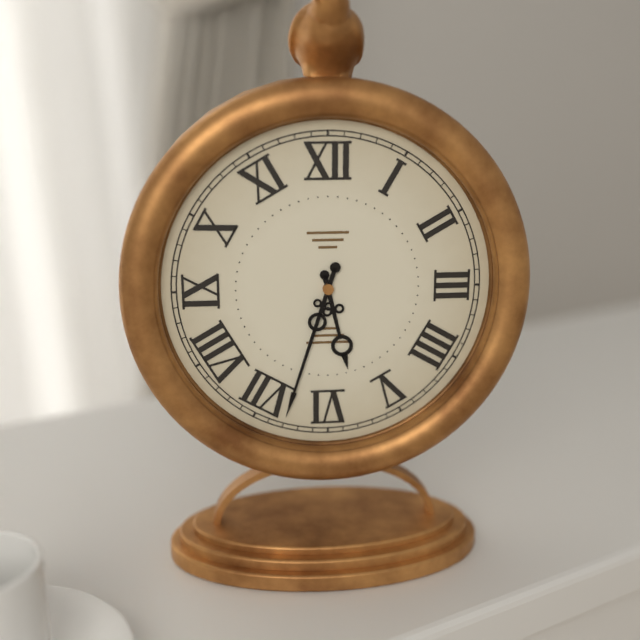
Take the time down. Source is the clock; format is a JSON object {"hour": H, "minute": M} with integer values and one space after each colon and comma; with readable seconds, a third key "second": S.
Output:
{"hour": 5, "minute": 33}
